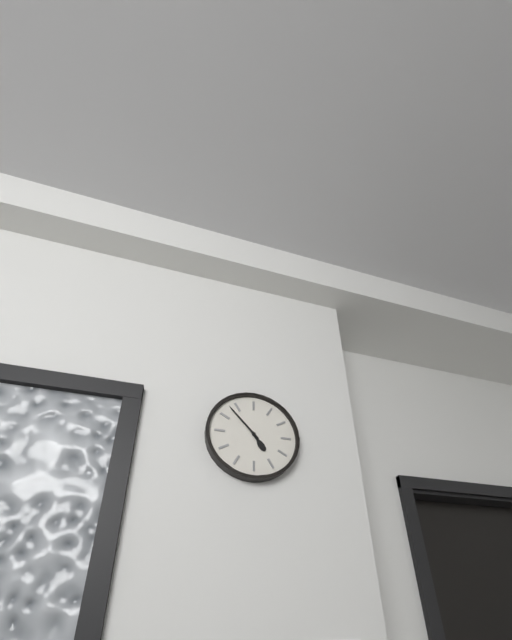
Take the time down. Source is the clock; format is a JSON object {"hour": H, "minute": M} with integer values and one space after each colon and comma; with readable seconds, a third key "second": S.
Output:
{"hour": 4, "minute": 53}
